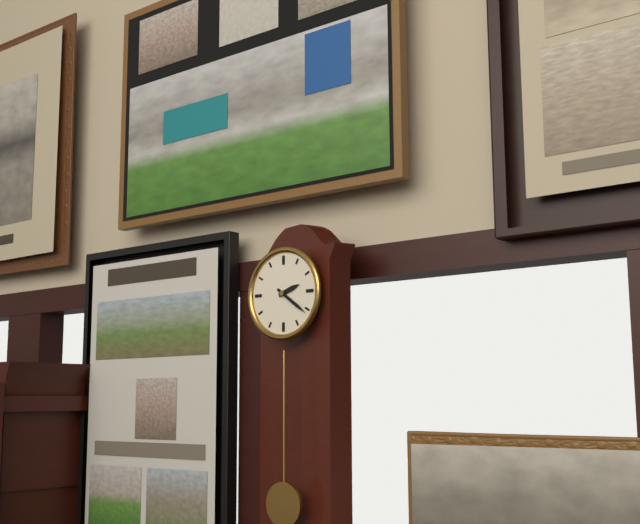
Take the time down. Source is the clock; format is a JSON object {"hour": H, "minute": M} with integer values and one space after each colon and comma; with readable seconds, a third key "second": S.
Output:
{"hour": 2, "minute": 21}
